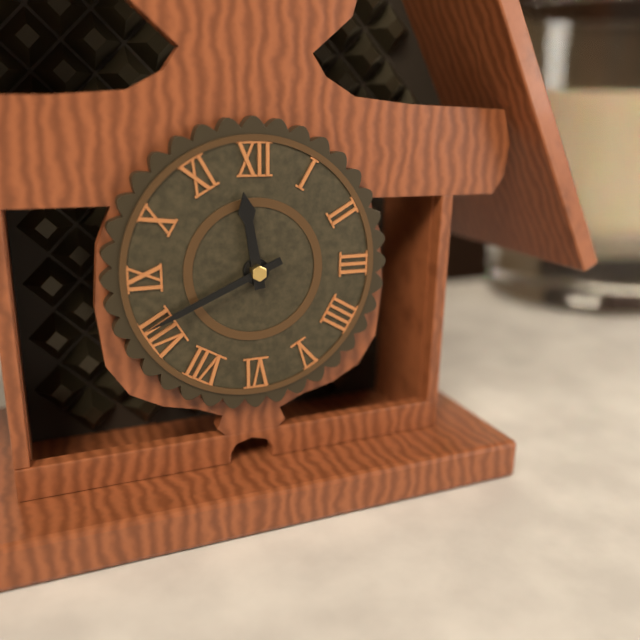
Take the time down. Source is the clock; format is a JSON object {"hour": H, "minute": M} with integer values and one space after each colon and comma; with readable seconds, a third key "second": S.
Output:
{"hour": 11, "minute": 41}
